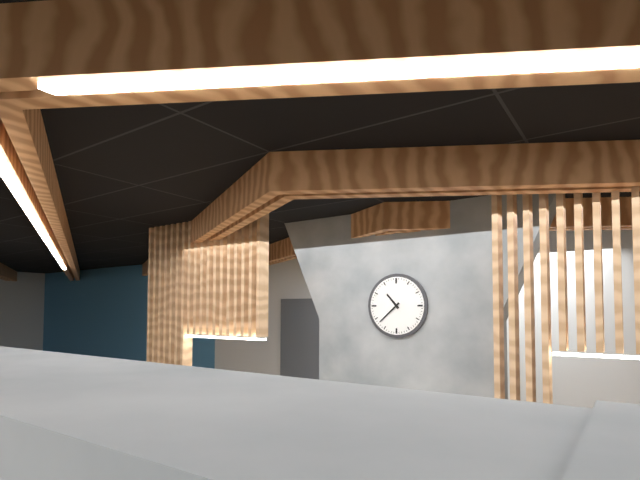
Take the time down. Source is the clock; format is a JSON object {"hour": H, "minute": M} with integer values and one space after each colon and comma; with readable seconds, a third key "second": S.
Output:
{"hour": 10, "minute": 38}
